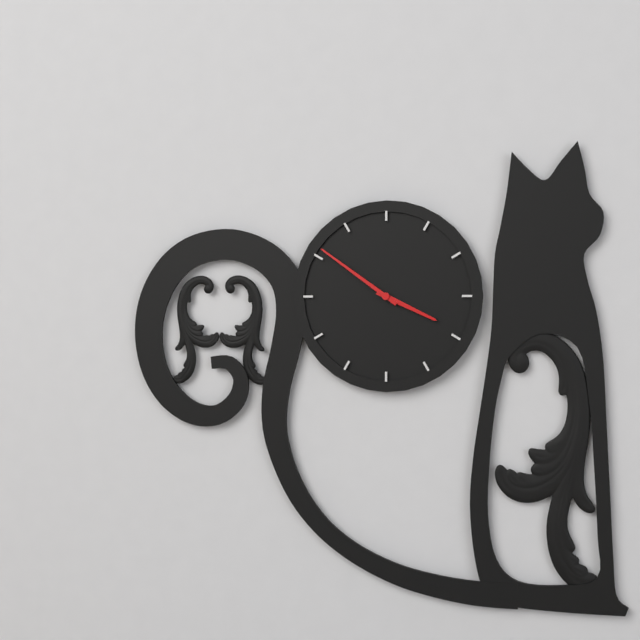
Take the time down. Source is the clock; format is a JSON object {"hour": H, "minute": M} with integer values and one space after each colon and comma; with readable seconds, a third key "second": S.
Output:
{"hour": 3, "minute": 51}
